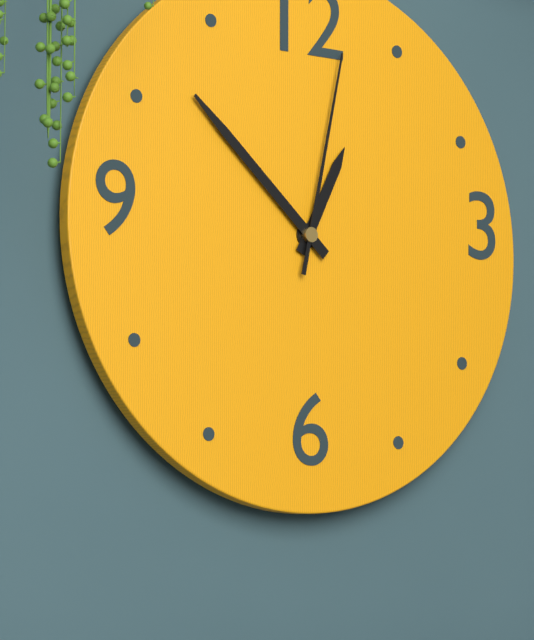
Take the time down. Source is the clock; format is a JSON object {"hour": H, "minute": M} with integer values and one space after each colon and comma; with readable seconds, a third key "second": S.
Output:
{"hour": 12, "minute": 52, "second": 2}
